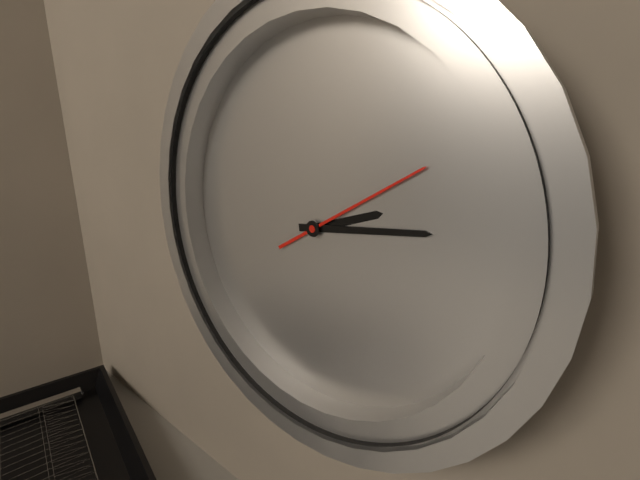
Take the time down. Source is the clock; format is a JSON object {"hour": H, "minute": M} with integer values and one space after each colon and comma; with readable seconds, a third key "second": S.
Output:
{"hour": 2, "minute": 13, "second": 9}
